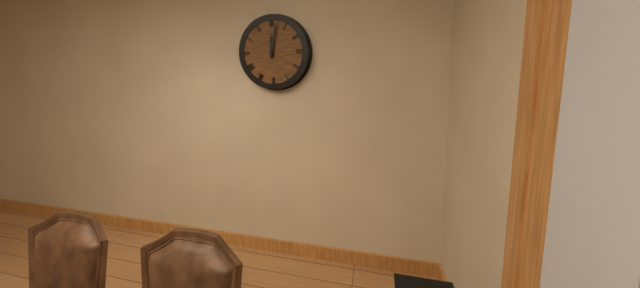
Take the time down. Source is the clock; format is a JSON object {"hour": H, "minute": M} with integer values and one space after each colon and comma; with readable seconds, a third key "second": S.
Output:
{"hour": 12, "minute": 2}
